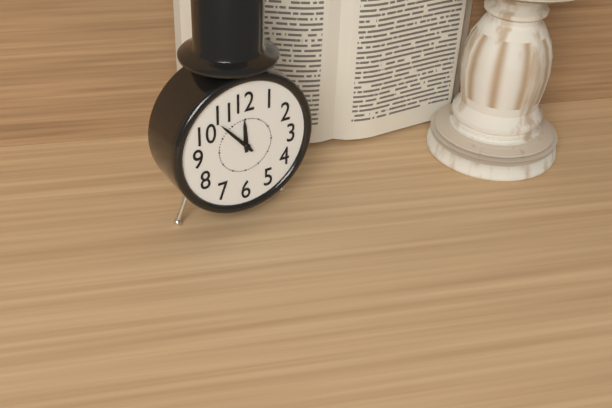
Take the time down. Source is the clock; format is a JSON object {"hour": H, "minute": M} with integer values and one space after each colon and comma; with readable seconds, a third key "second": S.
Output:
{"hour": 11, "minute": 53}
